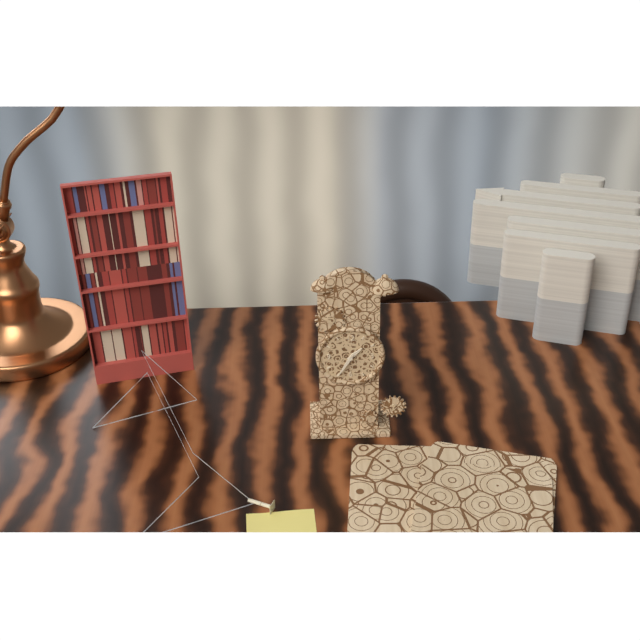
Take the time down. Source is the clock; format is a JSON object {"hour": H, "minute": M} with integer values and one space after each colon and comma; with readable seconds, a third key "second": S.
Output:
{"hour": 1, "minute": 35}
